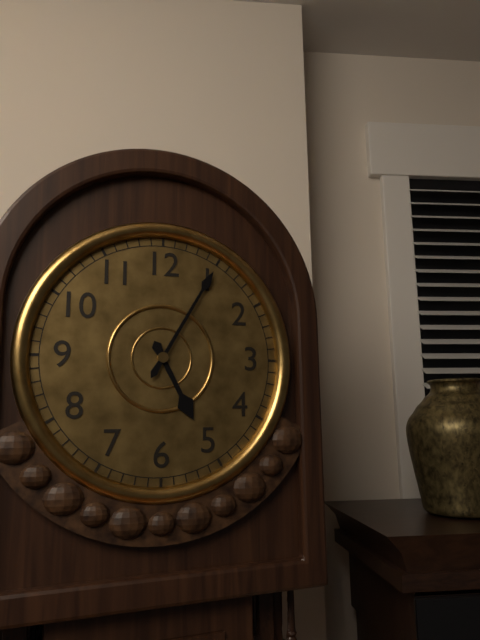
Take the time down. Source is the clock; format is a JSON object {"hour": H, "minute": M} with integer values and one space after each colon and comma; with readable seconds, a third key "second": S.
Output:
{"hour": 5, "minute": 5}
